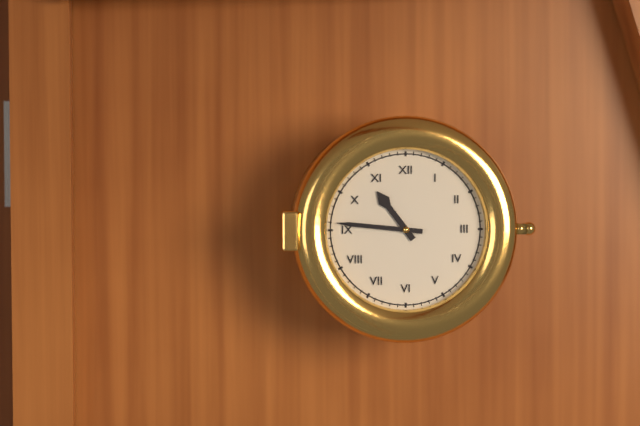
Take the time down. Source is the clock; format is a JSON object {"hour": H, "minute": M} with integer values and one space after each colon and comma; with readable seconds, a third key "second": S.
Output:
{"hour": 10, "minute": 46}
